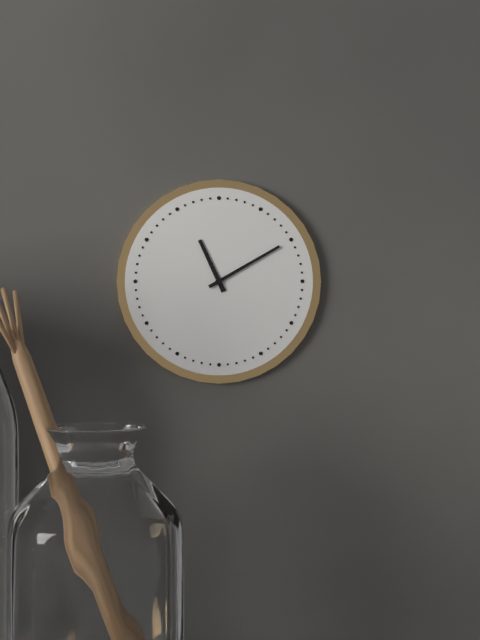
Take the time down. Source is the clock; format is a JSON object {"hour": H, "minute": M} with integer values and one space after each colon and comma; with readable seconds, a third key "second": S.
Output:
{"hour": 11, "minute": 10}
